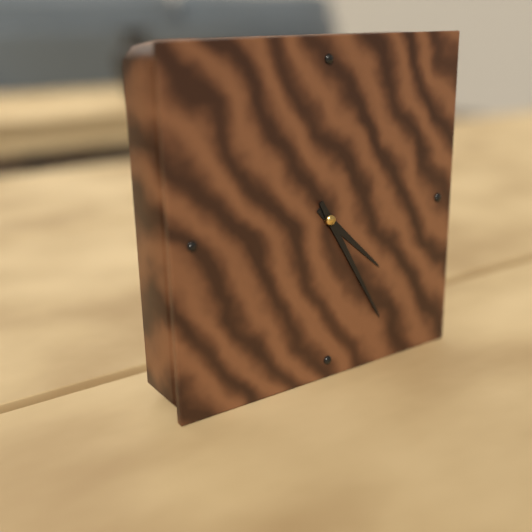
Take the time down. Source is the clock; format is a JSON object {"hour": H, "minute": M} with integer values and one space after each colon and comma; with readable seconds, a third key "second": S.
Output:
{"hour": 4, "minute": 25}
